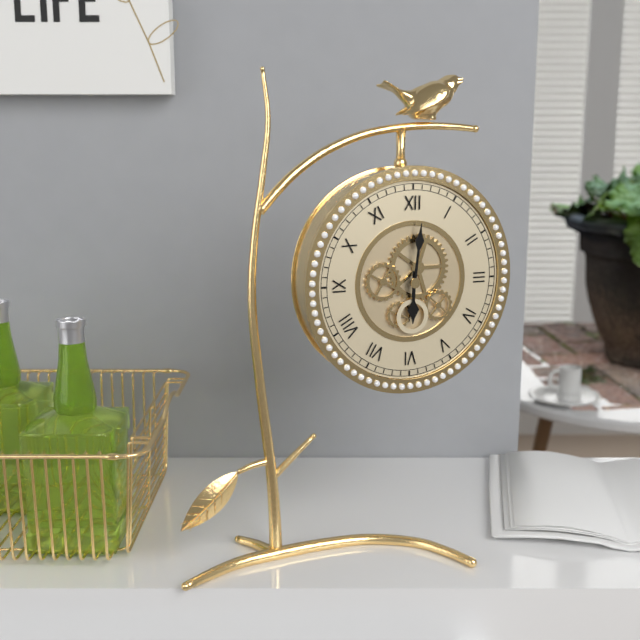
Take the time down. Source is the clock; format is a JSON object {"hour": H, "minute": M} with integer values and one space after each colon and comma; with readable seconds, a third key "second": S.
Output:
{"hour": 6, "minute": 1}
